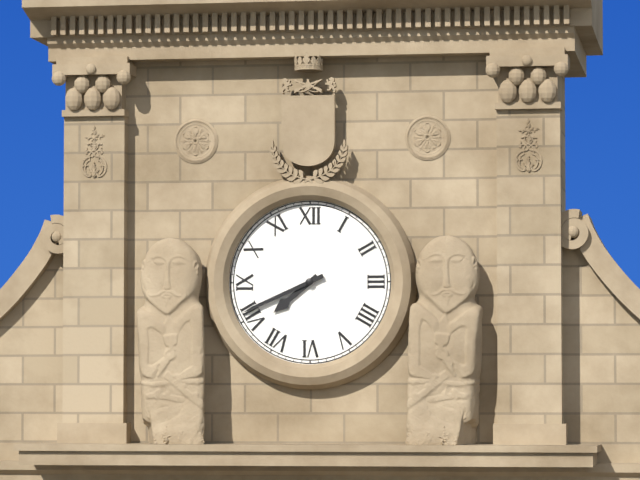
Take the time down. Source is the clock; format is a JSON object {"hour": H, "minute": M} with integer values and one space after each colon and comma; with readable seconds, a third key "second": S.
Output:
{"hour": 7, "minute": 41}
